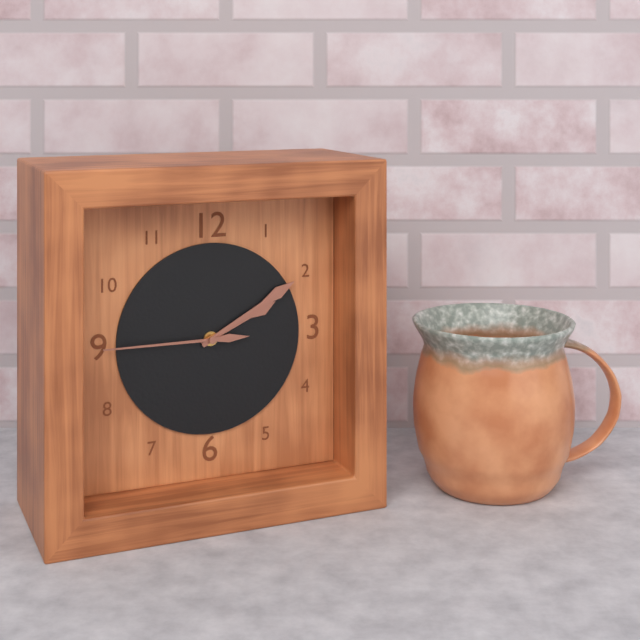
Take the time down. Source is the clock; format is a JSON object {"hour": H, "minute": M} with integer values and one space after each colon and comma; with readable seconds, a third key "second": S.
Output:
{"hour": 2, "minute": 10, "second": 45}
